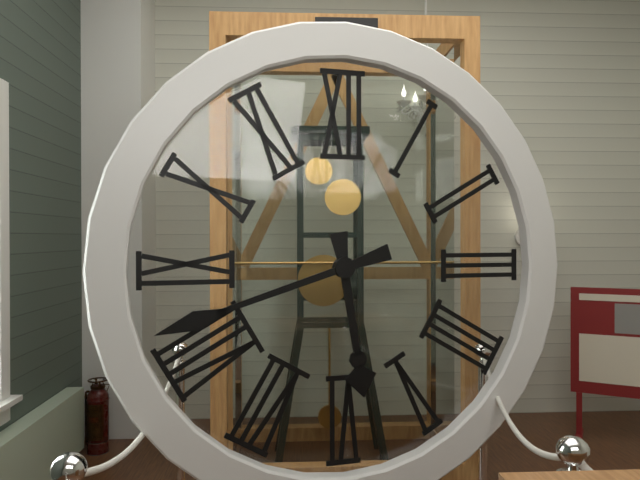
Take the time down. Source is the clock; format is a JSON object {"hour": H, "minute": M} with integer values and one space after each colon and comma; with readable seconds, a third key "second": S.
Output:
{"hour": 5, "minute": 42}
